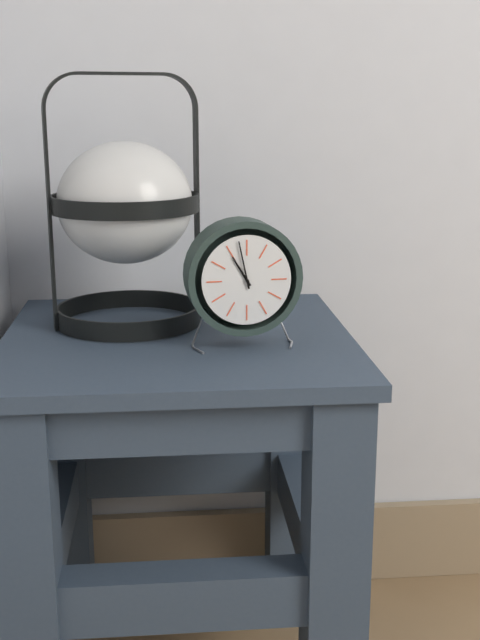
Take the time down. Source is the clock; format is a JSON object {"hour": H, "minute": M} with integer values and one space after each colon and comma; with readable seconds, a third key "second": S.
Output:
{"hour": 10, "minute": 58}
